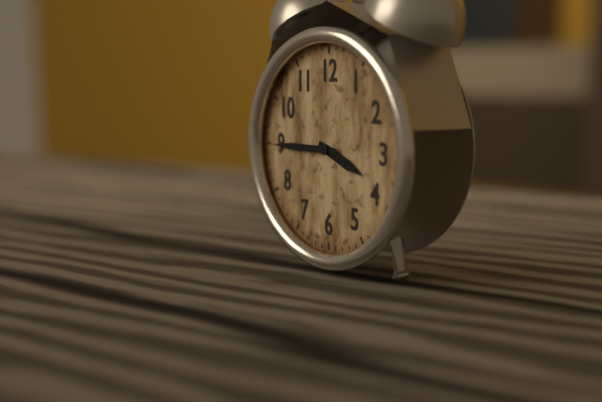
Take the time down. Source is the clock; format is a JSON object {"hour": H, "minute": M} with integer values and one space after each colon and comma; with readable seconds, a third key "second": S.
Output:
{"hour": 3, "minute": 45}
